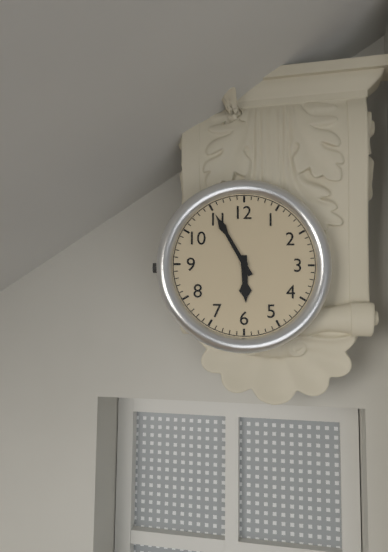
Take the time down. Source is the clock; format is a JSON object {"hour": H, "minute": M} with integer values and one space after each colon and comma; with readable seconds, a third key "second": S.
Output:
{"hour": 5, "minute": 55}
